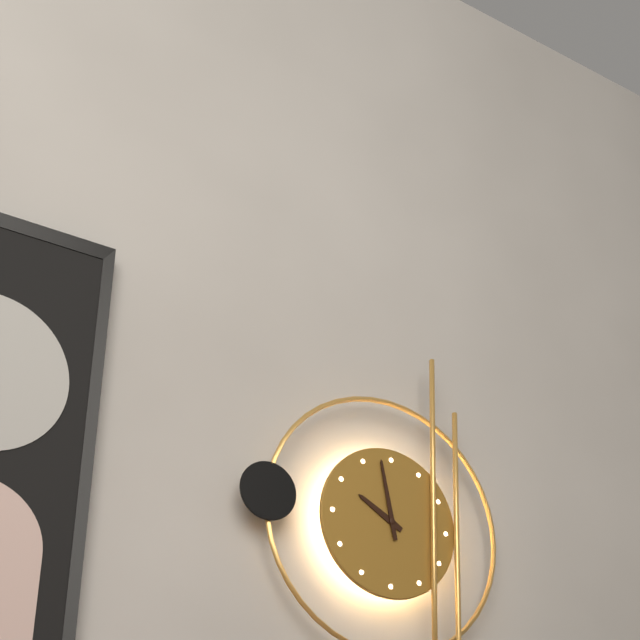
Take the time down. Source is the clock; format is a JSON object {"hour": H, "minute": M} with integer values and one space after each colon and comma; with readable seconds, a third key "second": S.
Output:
{"hour": 9, "minute": 58}
